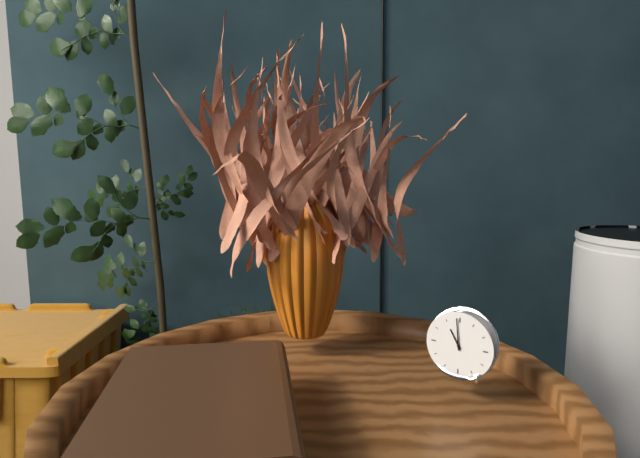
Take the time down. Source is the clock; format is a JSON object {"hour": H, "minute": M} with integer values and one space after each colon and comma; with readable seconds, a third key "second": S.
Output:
{"hour": 10, "minute": 59}
